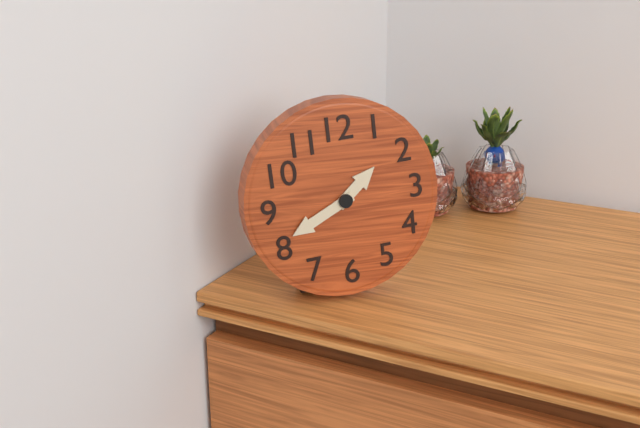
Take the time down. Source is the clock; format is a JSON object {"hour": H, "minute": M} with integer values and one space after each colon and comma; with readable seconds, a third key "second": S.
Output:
{"hour": 1, "minute": 41}
